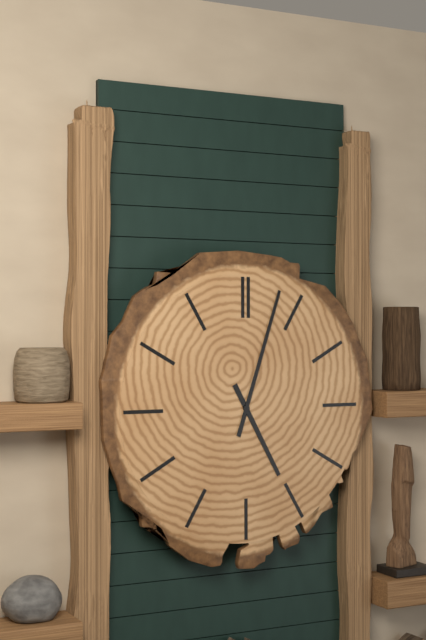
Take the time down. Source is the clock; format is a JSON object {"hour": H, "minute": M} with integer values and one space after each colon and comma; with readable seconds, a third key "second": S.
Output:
{"hour": 5, "minute": 3}
